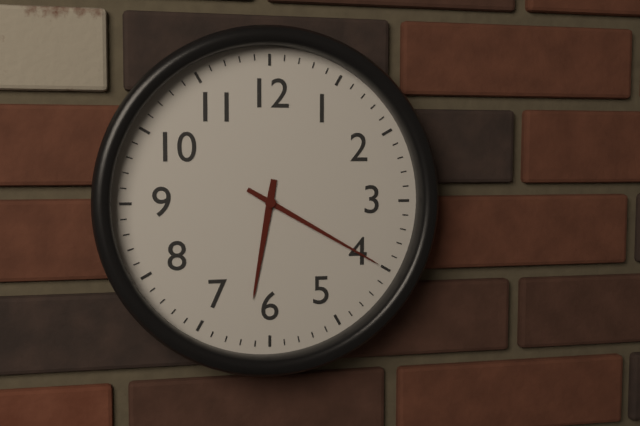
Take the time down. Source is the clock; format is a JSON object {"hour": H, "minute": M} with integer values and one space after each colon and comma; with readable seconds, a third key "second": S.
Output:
{"hour": 6, "minute": 20}
